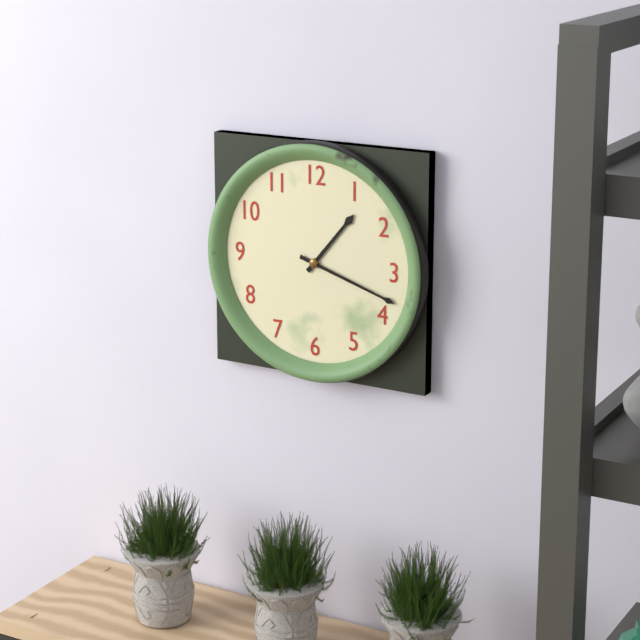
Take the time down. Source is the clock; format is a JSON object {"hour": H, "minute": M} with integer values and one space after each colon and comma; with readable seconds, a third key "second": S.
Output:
{"hour": 1, "minute": 18}
